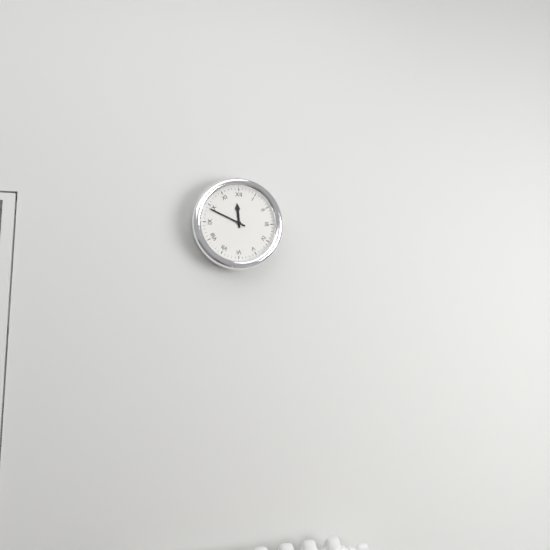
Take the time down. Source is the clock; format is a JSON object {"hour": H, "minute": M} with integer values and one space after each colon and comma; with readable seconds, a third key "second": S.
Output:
{"hour": 11, "minute": 49}
